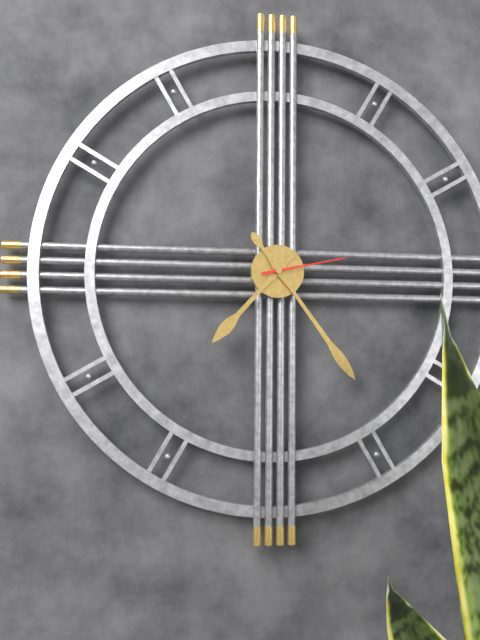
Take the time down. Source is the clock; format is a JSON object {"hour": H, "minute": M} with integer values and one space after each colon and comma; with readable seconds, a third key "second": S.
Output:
{"hour": 7, "minute": 24, "second": 13}
